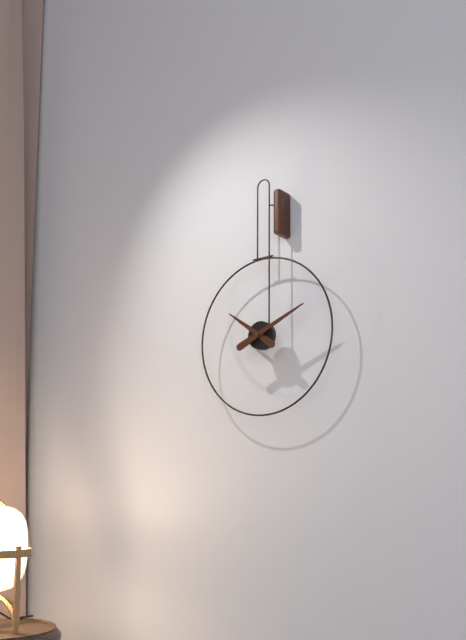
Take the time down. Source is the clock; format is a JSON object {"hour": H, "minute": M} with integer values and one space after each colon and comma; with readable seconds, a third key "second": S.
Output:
{"hour": 10, "minute": 11}
